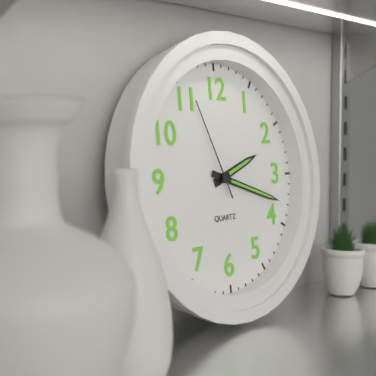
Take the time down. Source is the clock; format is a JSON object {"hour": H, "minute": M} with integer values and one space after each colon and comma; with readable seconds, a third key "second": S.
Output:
{"hour": 2, "minute": 18, "second": 56}
